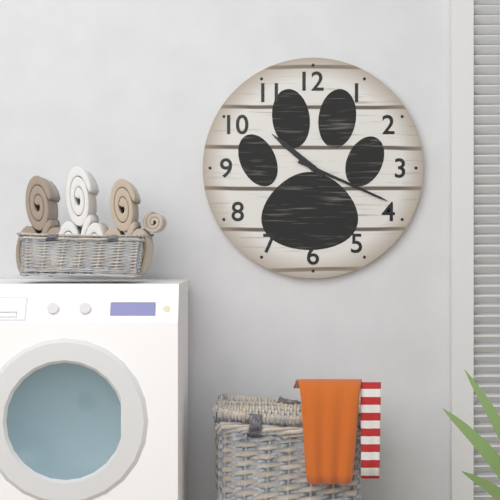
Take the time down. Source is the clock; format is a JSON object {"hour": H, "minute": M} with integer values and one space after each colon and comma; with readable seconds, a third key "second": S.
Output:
{"hour": 10, "minute": 19}
